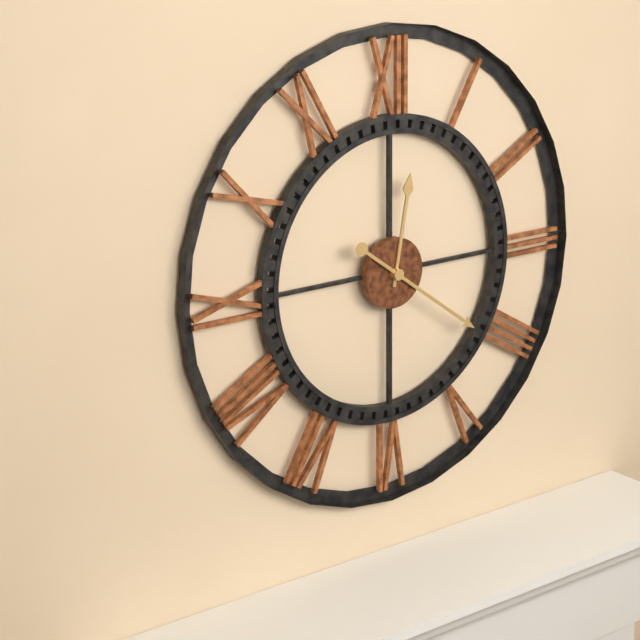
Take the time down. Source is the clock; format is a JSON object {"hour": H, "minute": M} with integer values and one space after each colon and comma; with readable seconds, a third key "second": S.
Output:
{"hour": 12, "minute": 21}
